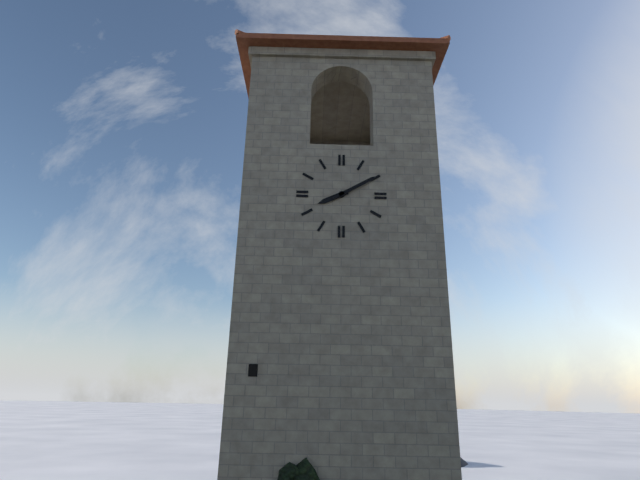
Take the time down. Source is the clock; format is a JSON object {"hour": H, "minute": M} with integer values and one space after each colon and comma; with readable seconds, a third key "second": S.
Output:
{"hour": 8, "minute": 10}
